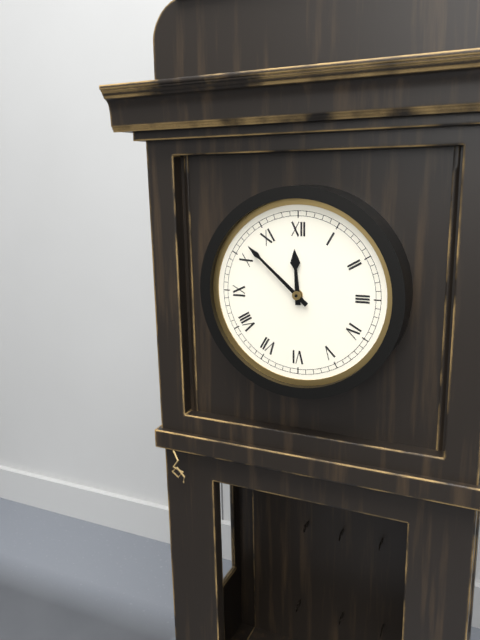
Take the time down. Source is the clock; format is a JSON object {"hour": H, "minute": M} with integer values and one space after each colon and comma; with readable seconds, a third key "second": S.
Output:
{"hour": 11, "minute": 52}
